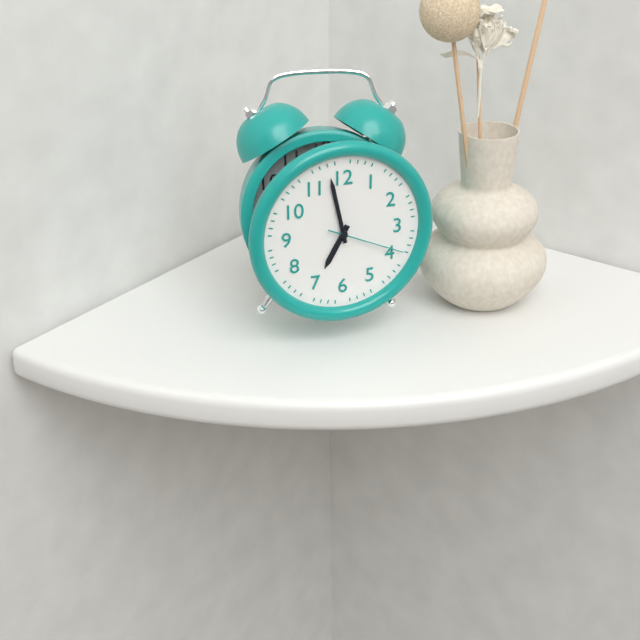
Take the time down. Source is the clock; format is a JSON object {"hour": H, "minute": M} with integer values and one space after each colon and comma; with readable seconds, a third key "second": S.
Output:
{"hour": 6, "minute": 58, "second": 19}
